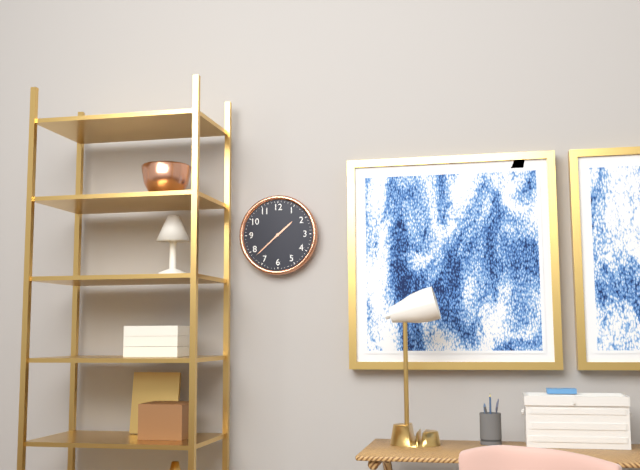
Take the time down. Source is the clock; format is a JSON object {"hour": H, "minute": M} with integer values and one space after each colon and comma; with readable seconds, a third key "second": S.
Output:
{"hour": 1, "minute": 38}
